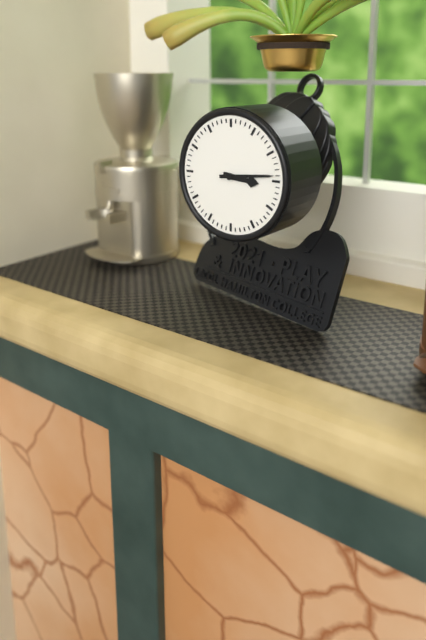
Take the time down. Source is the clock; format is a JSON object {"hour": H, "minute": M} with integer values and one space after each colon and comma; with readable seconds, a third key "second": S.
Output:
{"hour": 3, "minute": 14}
